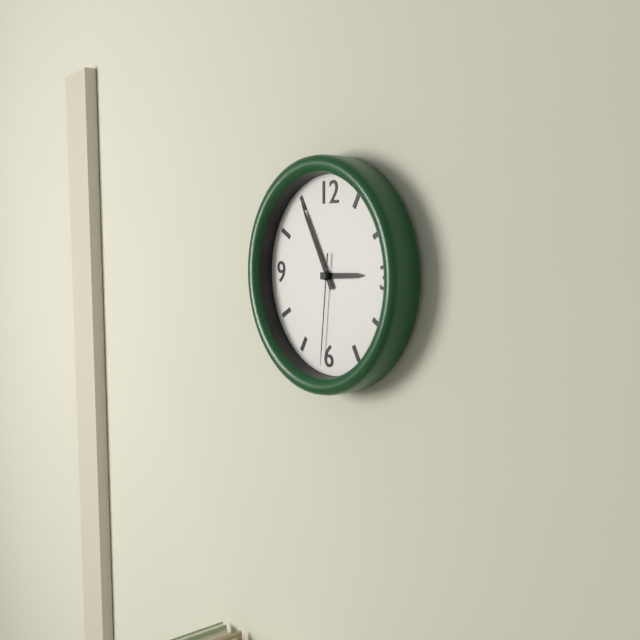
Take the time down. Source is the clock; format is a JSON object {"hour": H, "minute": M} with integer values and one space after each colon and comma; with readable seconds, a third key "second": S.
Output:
{"hour": 2, "minute": 55, "second": 31}
